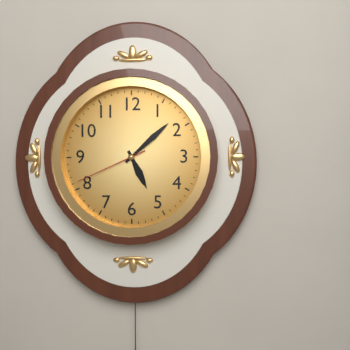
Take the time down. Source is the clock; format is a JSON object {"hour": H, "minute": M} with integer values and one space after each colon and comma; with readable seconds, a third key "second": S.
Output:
{"hour": 5, "minute": 8, "second": 41}
